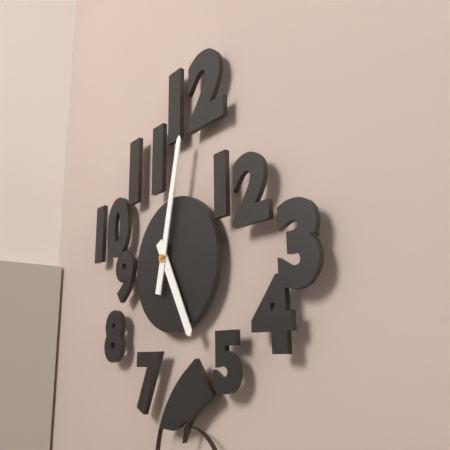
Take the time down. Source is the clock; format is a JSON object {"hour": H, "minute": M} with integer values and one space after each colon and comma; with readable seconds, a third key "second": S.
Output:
{"hour": 5, "minute": 2}
